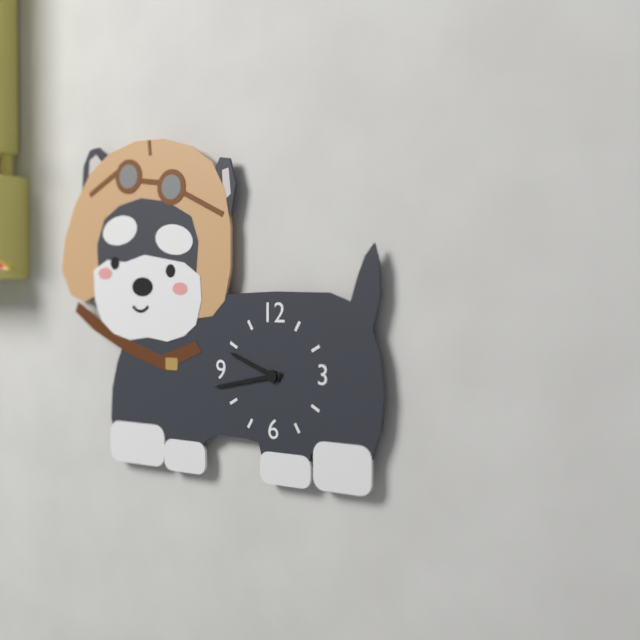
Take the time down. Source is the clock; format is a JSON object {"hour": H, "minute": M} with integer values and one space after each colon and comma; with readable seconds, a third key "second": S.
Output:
{"hour": 9, "minute": 43}
